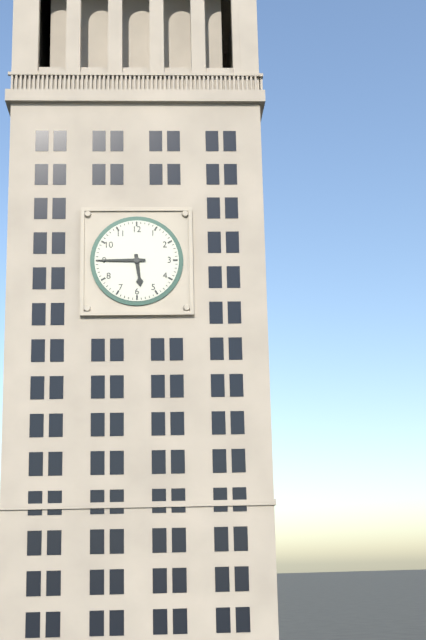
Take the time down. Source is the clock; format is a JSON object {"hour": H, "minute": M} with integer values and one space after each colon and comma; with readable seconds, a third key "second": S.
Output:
{"hour": 5, "minute": 45}
